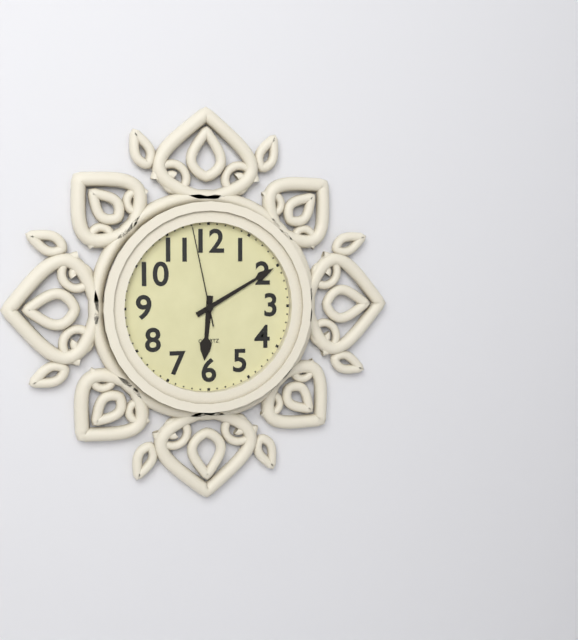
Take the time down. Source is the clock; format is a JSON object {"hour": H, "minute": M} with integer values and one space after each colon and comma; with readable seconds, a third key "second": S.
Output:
{"hour": 6, "minute": 10, "second": 58}
